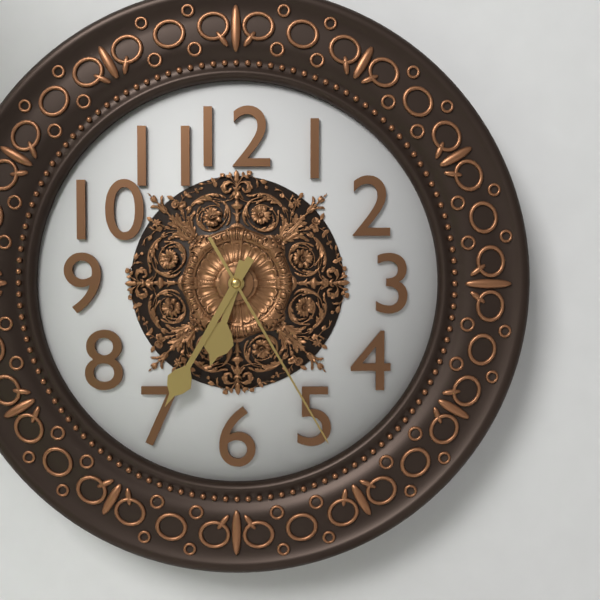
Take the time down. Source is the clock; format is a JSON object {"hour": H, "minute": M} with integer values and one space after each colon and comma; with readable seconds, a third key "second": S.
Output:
{"hour": 6, "minute": 35, "second": 25}
